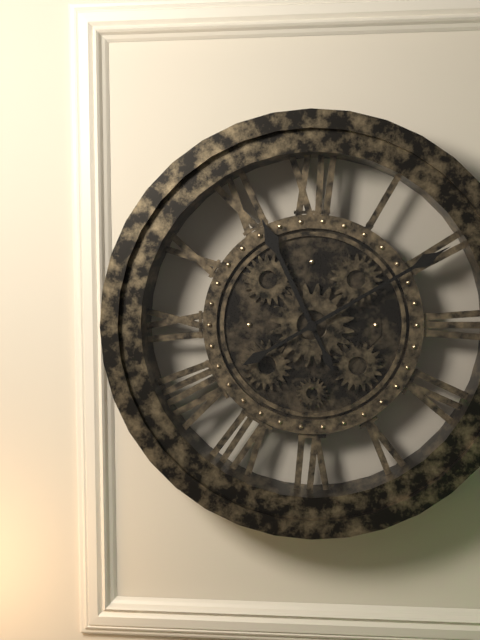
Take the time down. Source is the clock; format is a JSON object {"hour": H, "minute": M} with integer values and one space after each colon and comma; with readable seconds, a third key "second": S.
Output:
{"hour": 11, "minute": 10}
